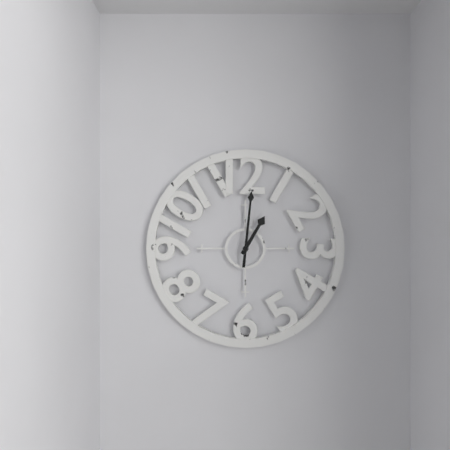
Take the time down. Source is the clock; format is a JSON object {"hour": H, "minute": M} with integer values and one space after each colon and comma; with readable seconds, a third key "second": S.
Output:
{"hour": 1, "minute": 1}
